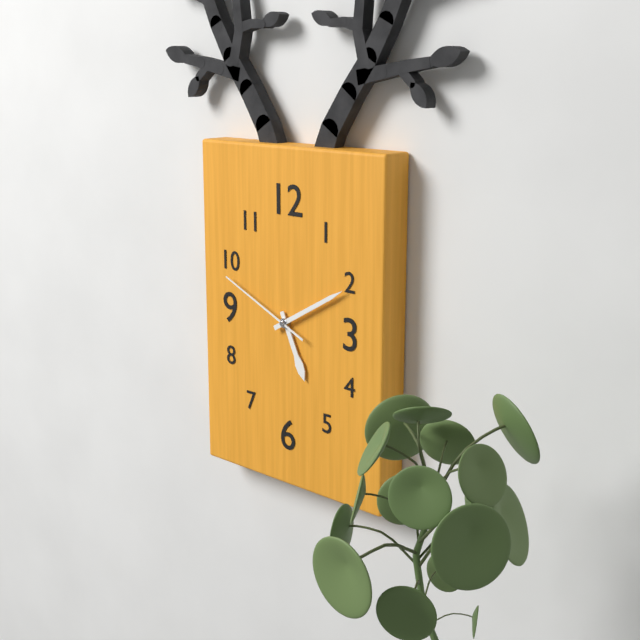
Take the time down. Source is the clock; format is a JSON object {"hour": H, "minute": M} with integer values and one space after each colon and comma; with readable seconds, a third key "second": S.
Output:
{"hour": 5, "minute": 10, "second": 49}
